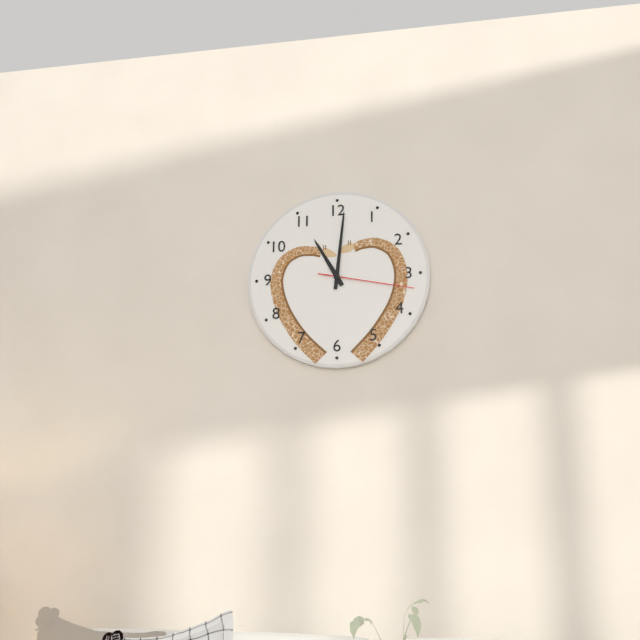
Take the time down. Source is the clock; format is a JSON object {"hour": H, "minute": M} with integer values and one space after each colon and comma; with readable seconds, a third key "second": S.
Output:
{"hour": 11, "minute": 1, "second": 17}
